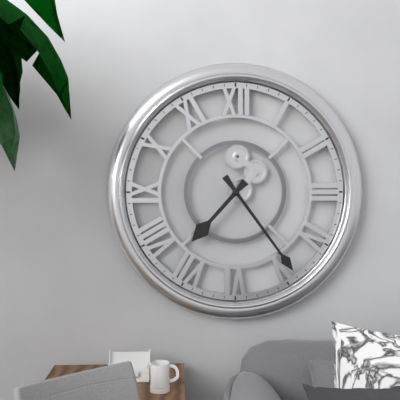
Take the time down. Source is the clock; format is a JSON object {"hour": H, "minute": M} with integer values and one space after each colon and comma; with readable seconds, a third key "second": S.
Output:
{"hour": 7, "minute": 24}
